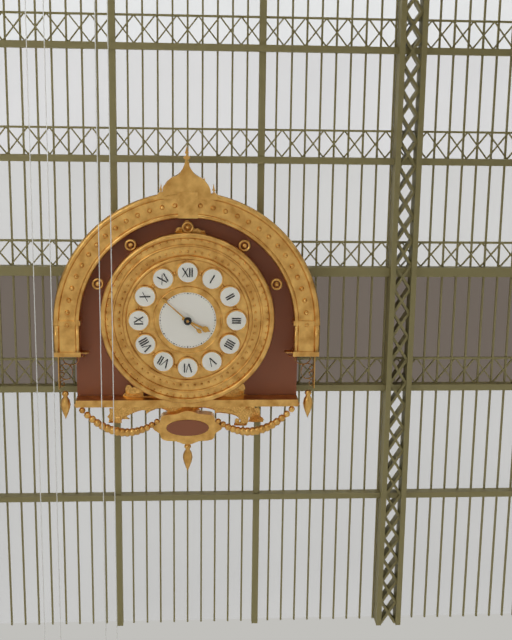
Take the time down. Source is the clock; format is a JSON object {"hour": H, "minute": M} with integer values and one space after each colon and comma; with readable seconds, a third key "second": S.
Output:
{"hour": 3, "minute": 52}
